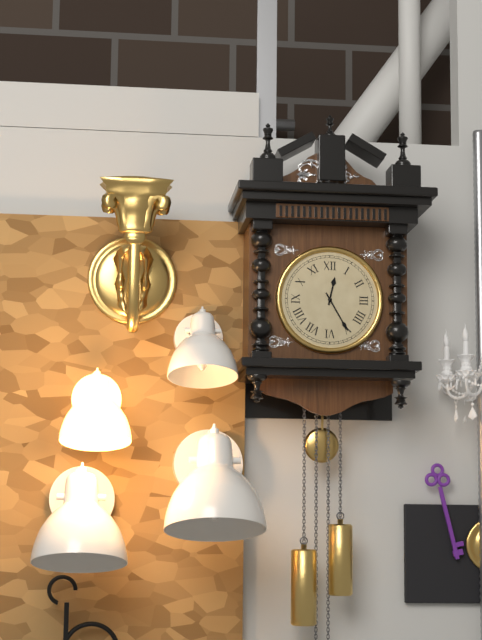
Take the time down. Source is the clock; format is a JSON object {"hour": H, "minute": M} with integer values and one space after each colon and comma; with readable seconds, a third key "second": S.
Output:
{"hour": 12, "minute": 25}
